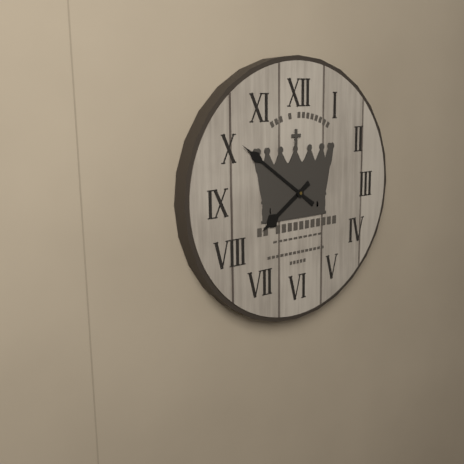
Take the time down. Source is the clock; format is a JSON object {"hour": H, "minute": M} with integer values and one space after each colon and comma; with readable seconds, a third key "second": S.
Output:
{"hour": 7, "minute": 51}
